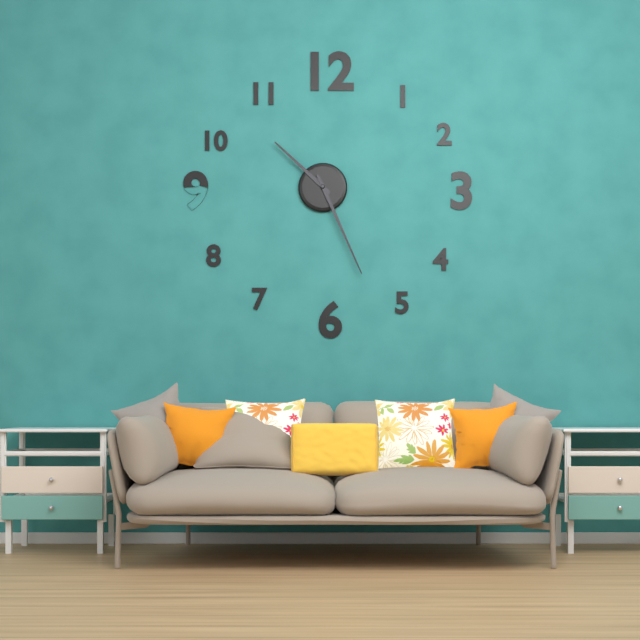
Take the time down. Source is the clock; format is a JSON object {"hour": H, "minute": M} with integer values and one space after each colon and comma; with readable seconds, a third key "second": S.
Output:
{"hour": 10, "minute": 26}
